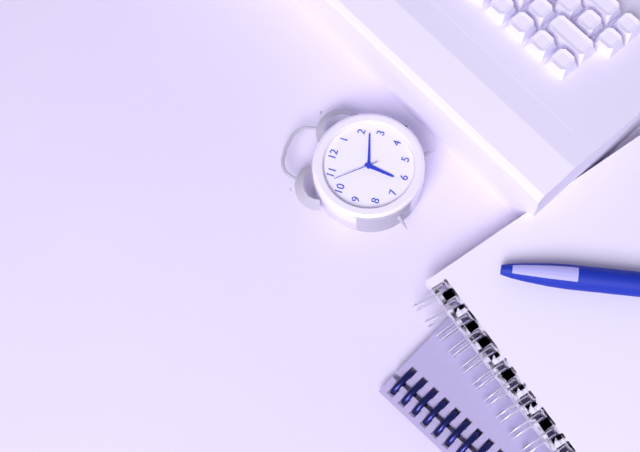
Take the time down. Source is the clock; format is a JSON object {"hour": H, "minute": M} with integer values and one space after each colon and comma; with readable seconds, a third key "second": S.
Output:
{"hour": 6, "minute": 12}
